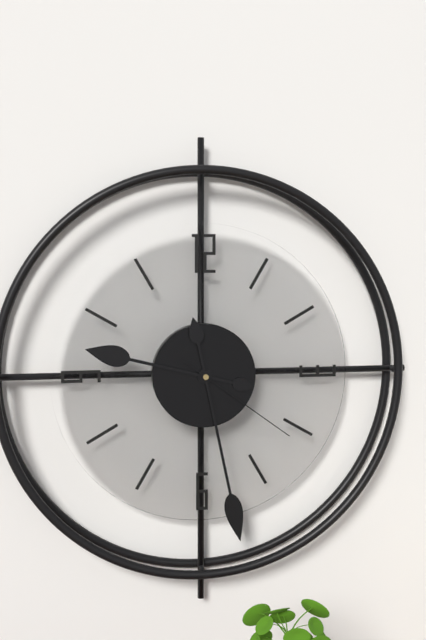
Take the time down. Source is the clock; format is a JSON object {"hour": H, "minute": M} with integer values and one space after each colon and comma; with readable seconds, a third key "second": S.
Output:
{"hour": 9, "minute": 28, "second": 21}
